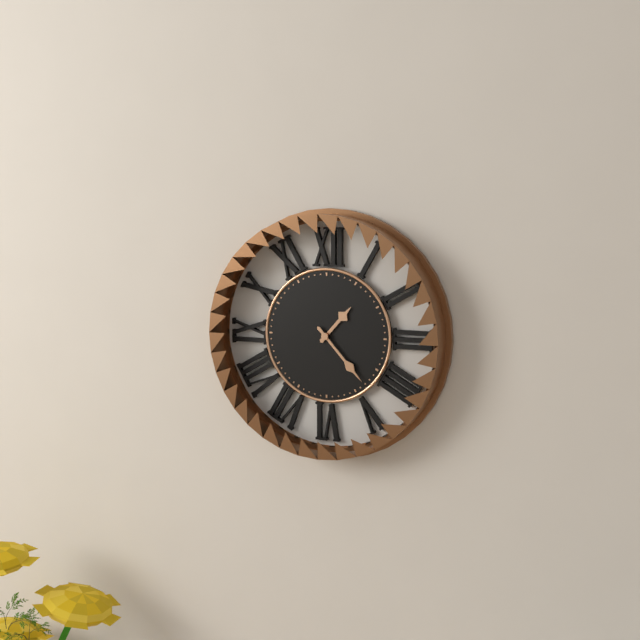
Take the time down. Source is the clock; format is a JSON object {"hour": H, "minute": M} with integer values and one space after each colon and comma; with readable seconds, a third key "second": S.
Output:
{"hour": 1, "minute": 23}
